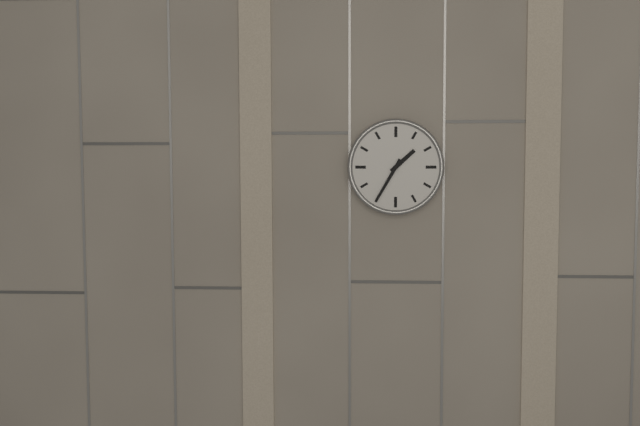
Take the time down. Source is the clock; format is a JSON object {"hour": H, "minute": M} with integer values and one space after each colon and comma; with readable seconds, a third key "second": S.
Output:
{"hour": 1, "minute": 35}
